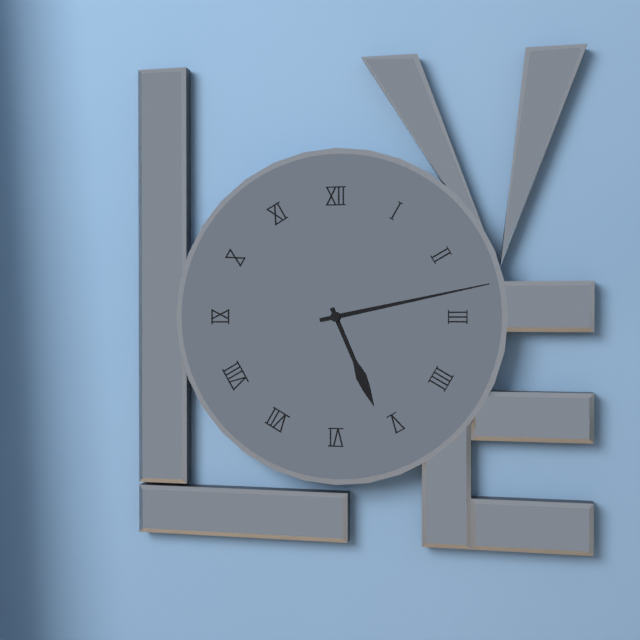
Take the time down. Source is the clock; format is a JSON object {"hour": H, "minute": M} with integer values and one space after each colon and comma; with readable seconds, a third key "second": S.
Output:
{"hour": 5, "minute": 13}
